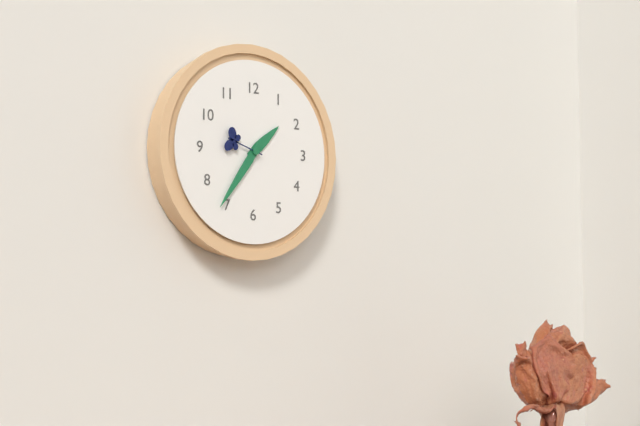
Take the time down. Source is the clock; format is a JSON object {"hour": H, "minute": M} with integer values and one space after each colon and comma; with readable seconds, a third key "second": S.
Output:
{"hour": 1, "minute": 36}
